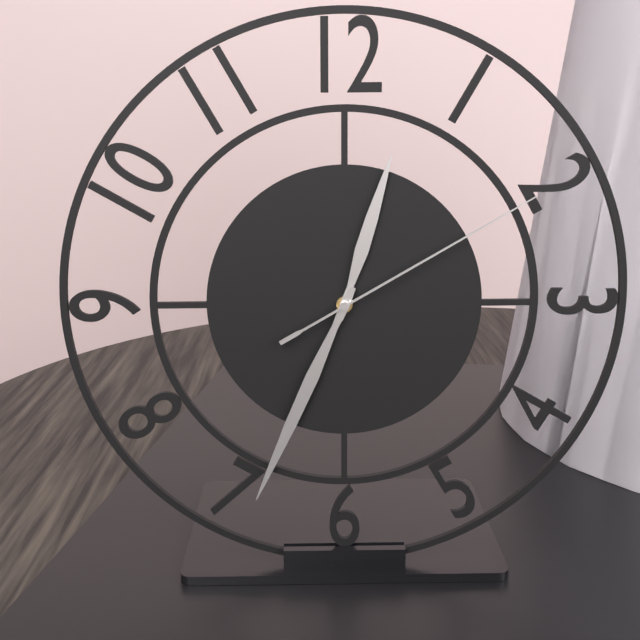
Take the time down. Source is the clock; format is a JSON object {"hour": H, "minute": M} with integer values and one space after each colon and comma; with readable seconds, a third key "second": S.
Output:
{"hour": 12, "minute": 34, "second": 10}
